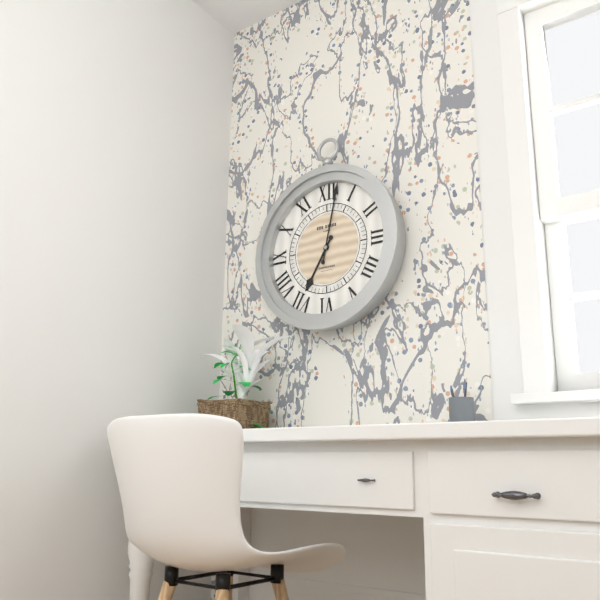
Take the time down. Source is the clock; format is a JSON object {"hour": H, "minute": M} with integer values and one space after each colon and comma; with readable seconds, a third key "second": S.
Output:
{"hour": 7, "minute": 2}
